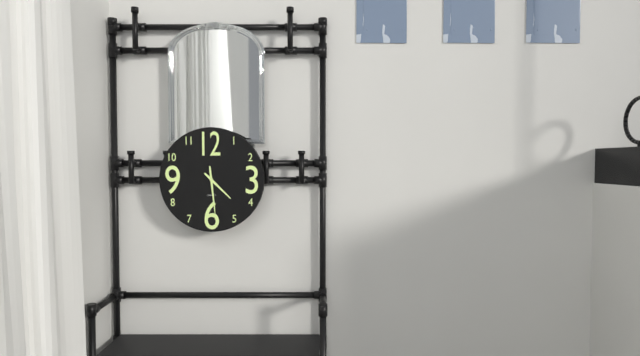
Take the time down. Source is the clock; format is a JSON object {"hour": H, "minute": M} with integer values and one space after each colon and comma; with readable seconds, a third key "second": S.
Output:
{"hour": 4, "minute": 29}
